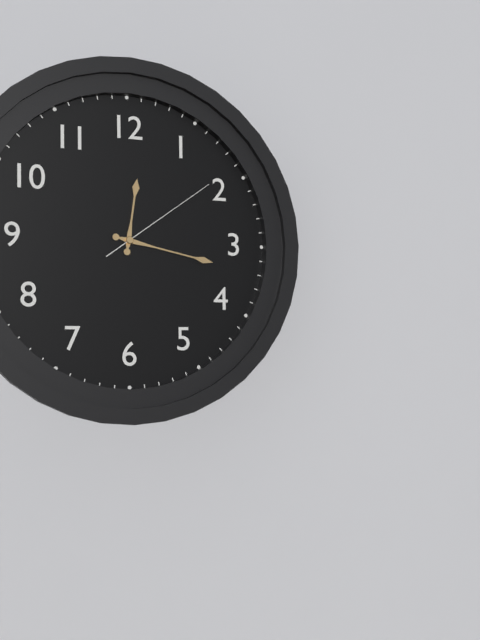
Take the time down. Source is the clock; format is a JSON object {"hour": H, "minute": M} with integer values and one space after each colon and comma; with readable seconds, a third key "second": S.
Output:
{"hour": 12, "minute": 17, "second": 9}
